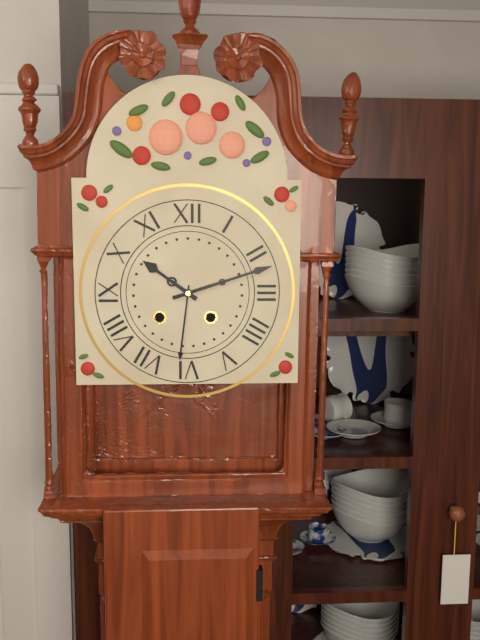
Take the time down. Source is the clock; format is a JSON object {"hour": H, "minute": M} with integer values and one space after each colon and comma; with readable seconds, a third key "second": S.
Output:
{"hour": 10, "minute": 12}
